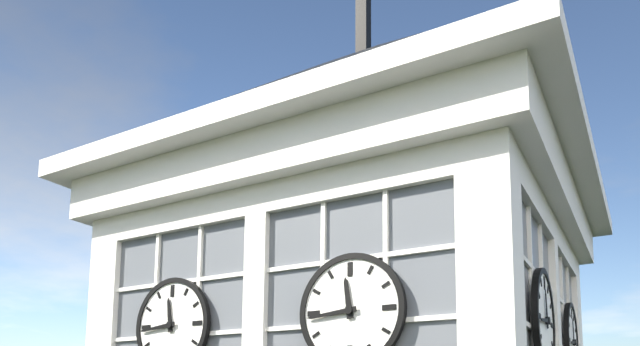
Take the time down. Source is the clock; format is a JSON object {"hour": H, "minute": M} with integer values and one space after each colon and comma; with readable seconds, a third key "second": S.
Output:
{"hour": 11, "minute": 44}
